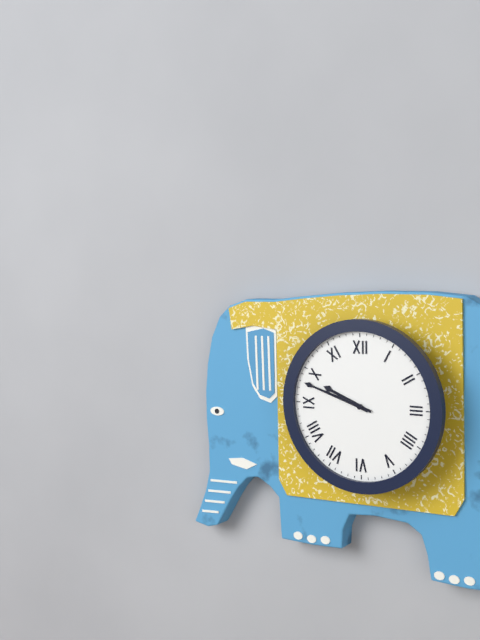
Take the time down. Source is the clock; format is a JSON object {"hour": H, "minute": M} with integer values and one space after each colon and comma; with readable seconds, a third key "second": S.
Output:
{"hour": 9, "minute": 48}
